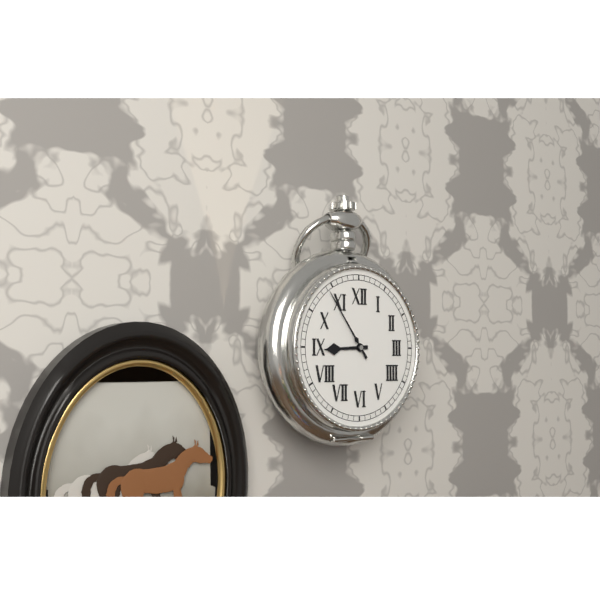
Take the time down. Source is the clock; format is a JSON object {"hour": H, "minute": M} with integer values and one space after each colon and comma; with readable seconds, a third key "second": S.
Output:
{"hour": 8, "minute": 54}
